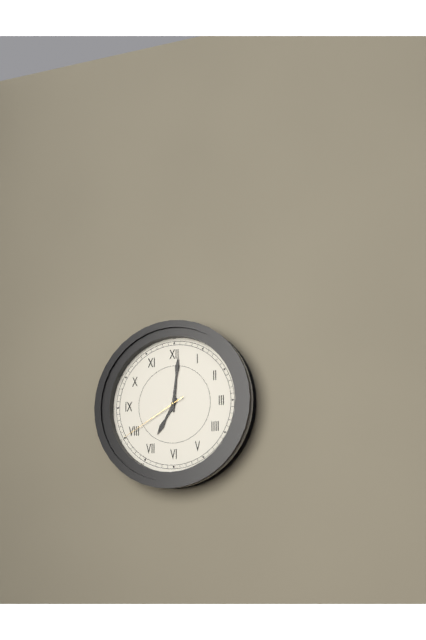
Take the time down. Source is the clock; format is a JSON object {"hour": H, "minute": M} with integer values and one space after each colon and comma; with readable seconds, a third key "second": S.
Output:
{"hour": 7, "minute": 1, "second": 40}
